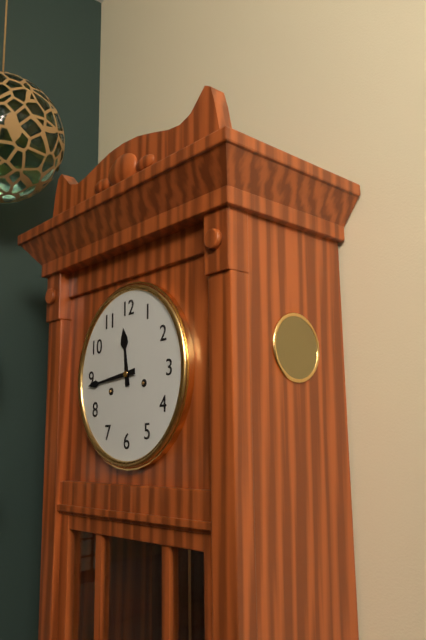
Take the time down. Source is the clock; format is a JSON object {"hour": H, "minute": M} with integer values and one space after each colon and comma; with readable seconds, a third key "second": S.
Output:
{"hour": 11, "minute": 44}
